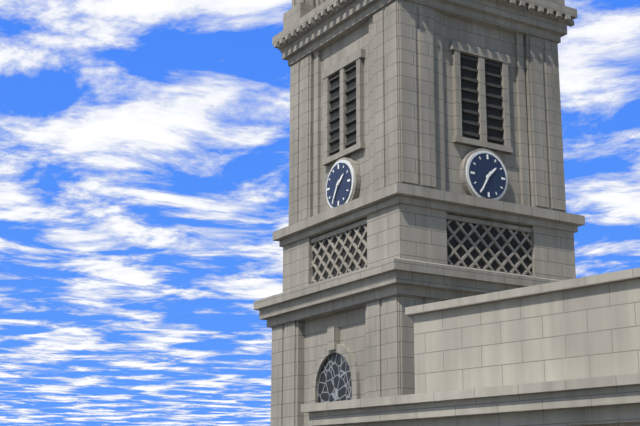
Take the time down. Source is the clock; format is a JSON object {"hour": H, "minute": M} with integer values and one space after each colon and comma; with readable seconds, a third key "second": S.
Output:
{"hour": 1, "minute": 35}
